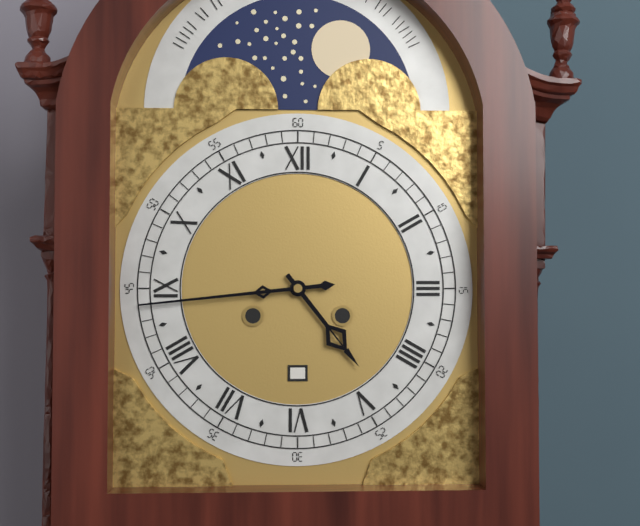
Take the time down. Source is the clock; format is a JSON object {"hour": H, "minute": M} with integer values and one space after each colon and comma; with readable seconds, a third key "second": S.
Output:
{"hour": 4, "minute": 44}
